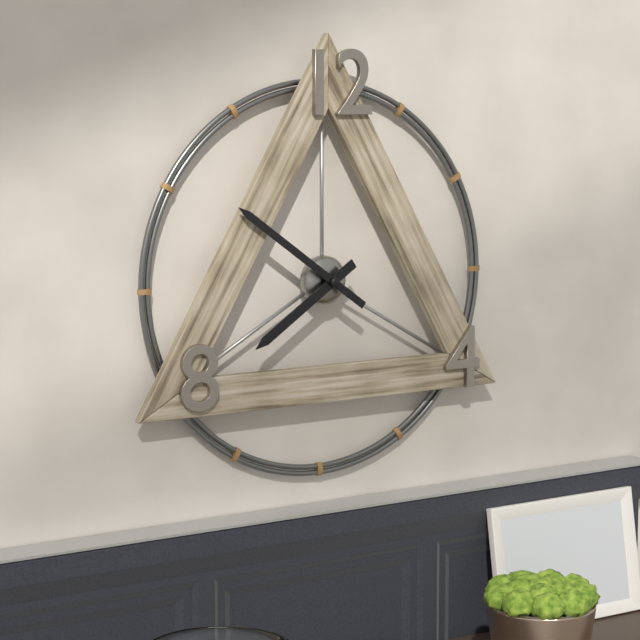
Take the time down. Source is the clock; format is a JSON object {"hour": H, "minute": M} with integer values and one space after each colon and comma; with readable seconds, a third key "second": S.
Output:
{"hour": 7, "minute": 51}
